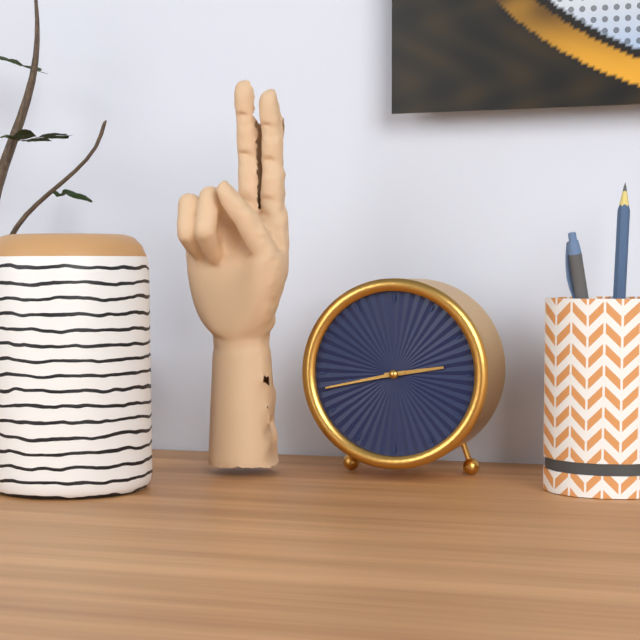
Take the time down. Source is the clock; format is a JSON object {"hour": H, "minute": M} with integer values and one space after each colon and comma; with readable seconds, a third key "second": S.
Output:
{"hour": 2, "minute": 43}
